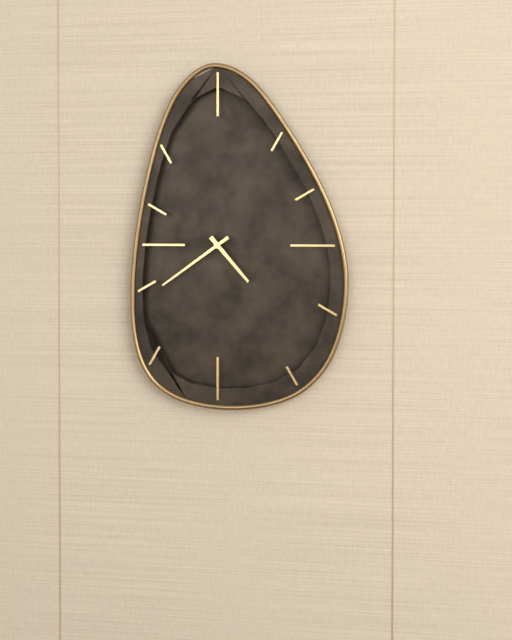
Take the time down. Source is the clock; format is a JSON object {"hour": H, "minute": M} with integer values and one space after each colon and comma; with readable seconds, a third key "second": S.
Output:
{"hour": 4, "minute": 39}
